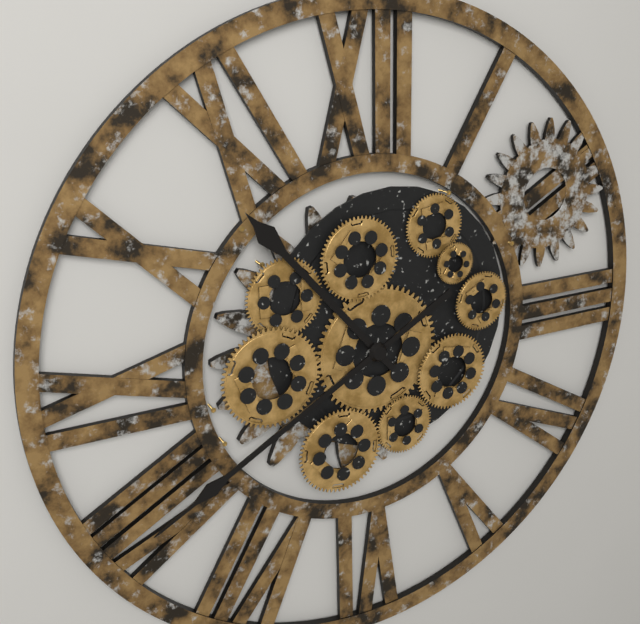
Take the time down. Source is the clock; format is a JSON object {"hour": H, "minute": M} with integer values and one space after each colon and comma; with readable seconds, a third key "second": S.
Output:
{"hour": 10, "minute": 40}
